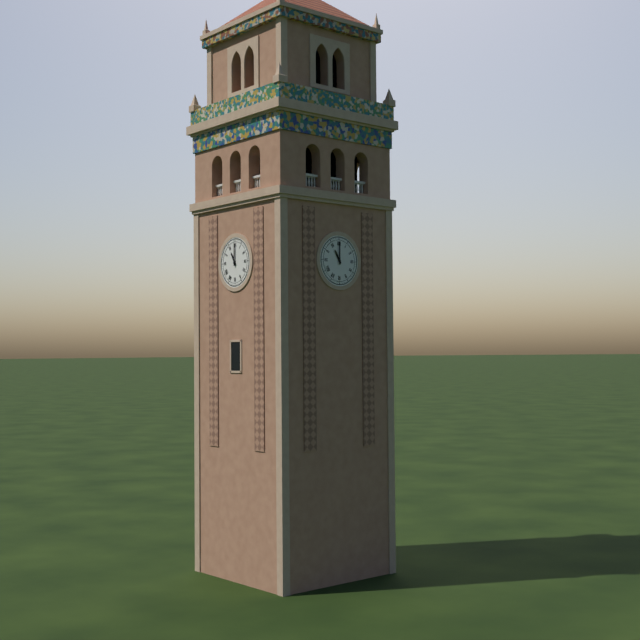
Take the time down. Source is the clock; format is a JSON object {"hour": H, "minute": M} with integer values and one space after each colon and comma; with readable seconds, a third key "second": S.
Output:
{"hour": 11, "minute": 0}
